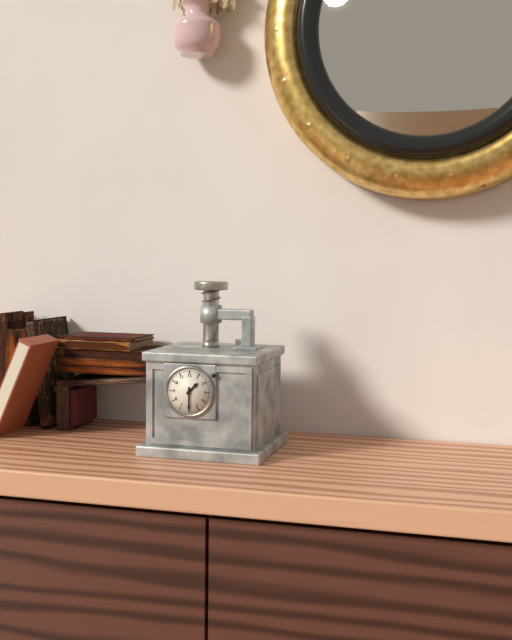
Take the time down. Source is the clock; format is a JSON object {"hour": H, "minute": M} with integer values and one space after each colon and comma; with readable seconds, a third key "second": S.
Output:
{"hour": 1, "minute": 30}
